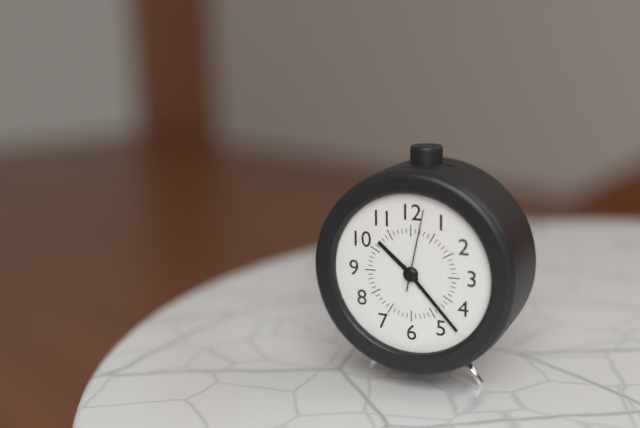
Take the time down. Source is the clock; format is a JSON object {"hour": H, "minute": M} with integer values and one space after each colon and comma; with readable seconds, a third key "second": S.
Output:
{"hour": 10, "minute": 23, "second": 2}
